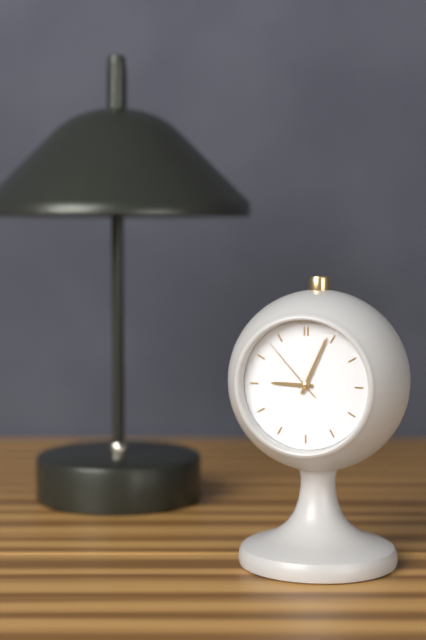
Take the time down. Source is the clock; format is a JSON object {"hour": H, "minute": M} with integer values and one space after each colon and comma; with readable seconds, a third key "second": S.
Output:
{"hour": 9, "minute": 4, "second": 53}
